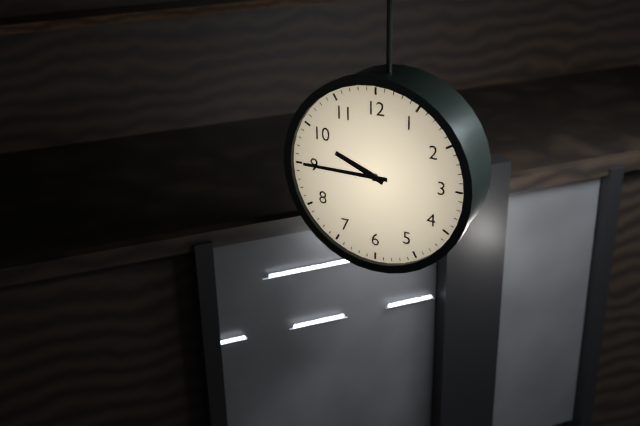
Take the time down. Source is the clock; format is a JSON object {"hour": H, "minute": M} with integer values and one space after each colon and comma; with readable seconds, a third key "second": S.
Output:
{"hour": 9, "minute": 45}
